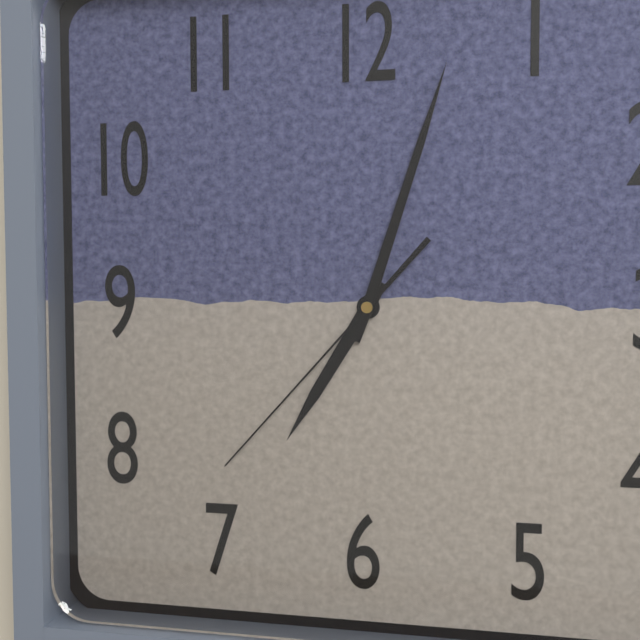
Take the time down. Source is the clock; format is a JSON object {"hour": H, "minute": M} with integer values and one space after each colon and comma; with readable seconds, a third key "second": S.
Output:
{"hour": 7, "minute": 3, "second": 37}
